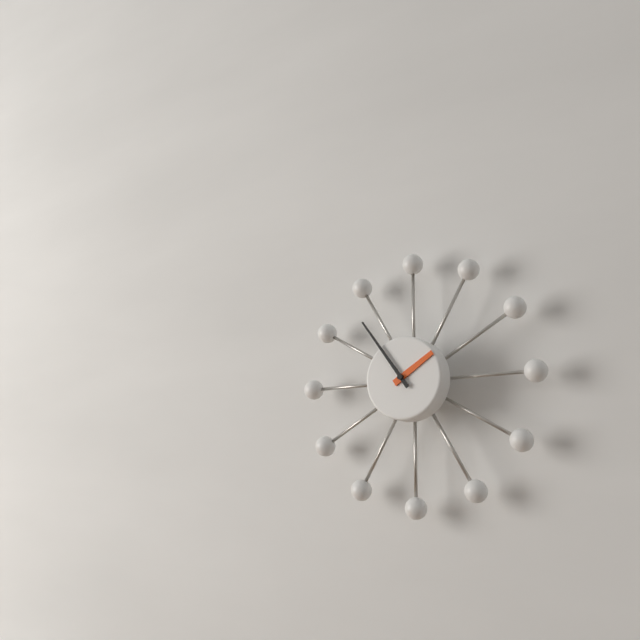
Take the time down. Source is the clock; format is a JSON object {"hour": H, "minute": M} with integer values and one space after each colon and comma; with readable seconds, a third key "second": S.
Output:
{"hour": 1, "minute": 54}
